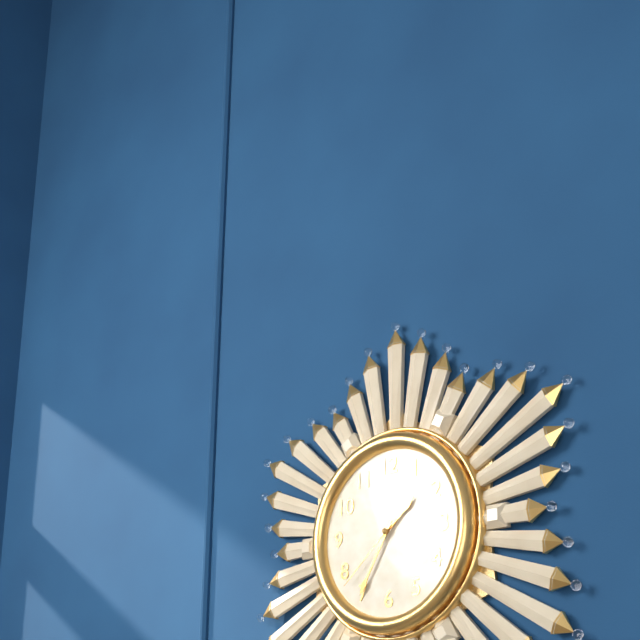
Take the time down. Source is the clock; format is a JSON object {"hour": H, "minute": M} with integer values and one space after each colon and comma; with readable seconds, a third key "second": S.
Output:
{"hour": 1, "minute": 35, "second": 38}
